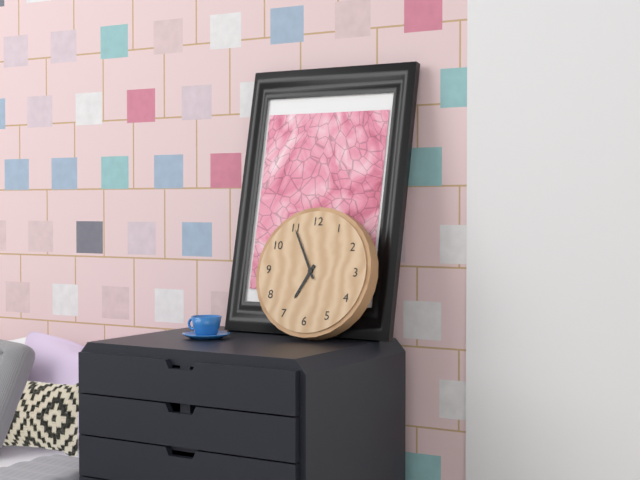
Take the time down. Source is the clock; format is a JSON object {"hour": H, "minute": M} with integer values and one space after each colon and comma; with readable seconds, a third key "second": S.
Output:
{"hour": 6, "minute": 55}
